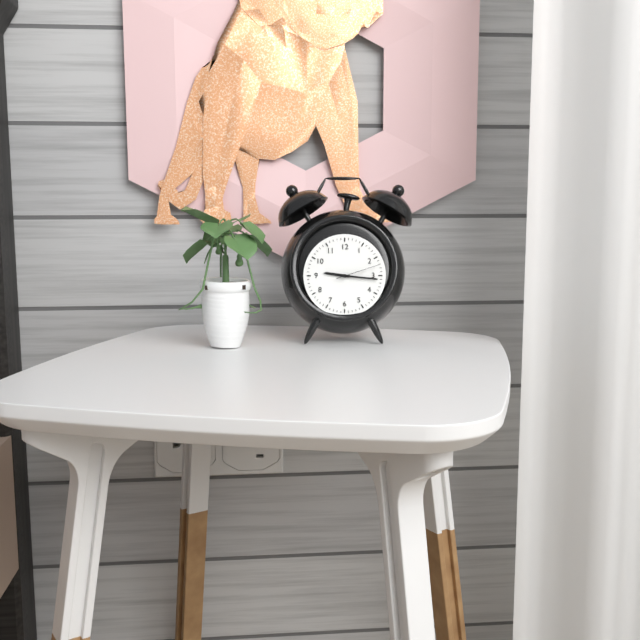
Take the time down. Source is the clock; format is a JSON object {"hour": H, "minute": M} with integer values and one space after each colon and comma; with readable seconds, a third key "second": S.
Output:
{"hour": 9, "minute": 16}
